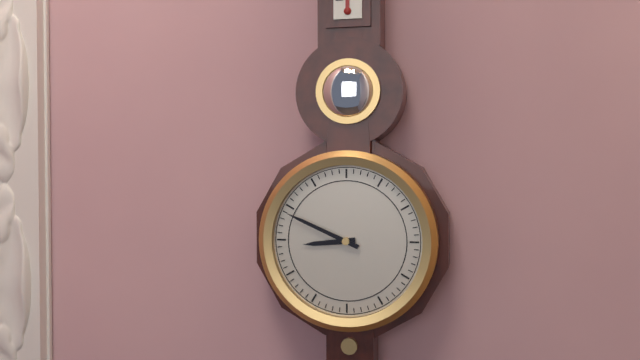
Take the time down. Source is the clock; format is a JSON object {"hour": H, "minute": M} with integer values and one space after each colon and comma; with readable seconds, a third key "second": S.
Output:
{"hour": 8, "minute": 49}
